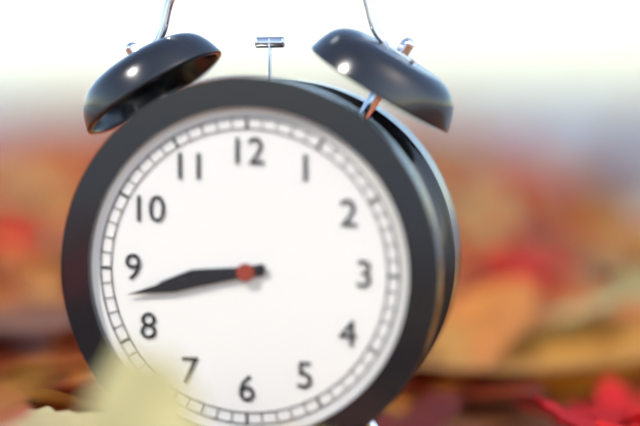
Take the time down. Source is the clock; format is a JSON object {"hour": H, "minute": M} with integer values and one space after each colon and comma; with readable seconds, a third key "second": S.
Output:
{"hour": 8, "minute": 43}
